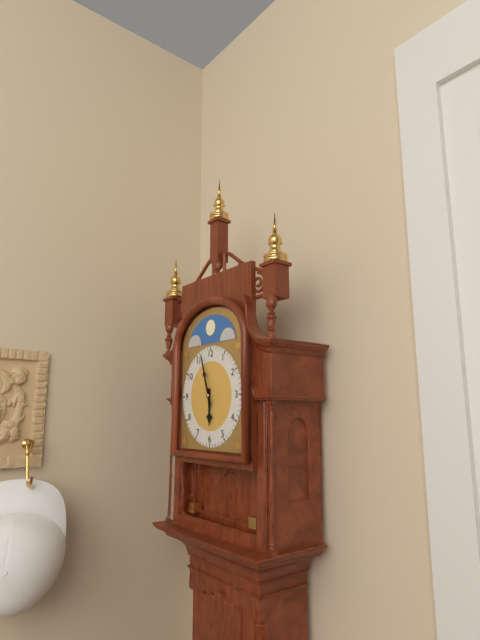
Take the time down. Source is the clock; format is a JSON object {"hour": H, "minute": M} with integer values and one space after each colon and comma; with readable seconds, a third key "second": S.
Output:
{"hour": 5, "minute": 57}
